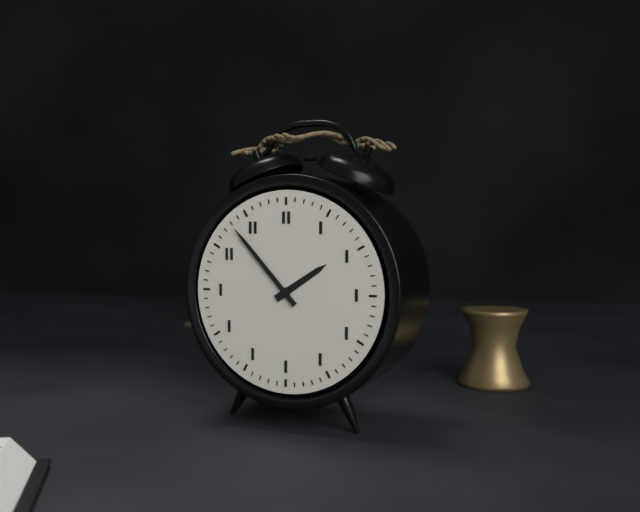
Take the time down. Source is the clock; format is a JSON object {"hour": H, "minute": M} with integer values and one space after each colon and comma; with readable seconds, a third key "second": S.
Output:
{"hour": 1, "minute": 53}
